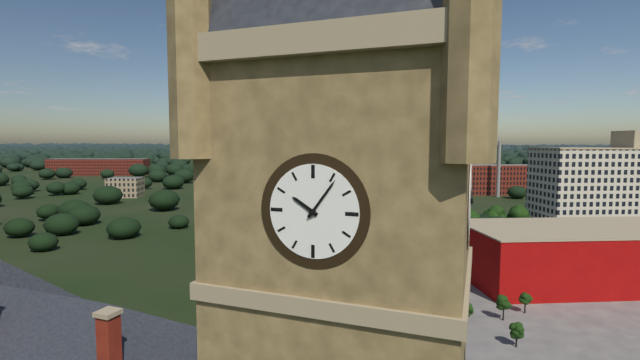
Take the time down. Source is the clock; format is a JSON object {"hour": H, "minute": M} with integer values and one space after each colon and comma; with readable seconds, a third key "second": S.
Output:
{"hour": 10, "minute": 6}
